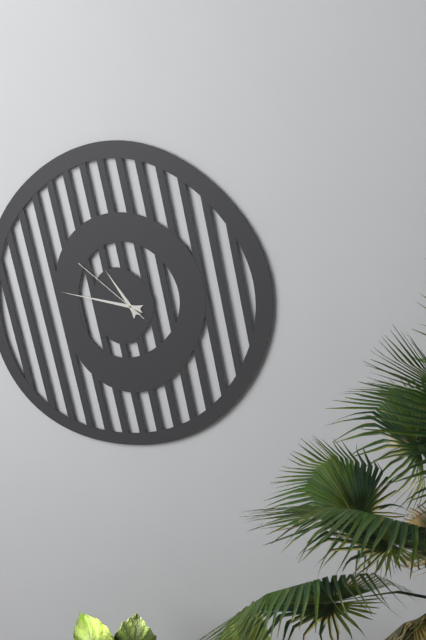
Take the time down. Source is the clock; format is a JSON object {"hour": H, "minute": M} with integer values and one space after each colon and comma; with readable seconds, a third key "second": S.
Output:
{"hour": 10, "minute": 46, "second": 51}
